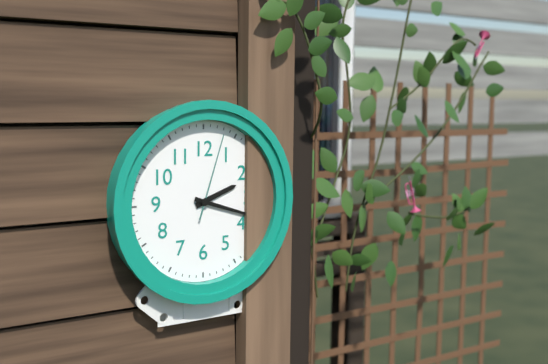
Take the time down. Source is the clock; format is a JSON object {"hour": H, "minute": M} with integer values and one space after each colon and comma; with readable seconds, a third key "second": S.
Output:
{"hour": 2, "minute": 18, "second": 3}
